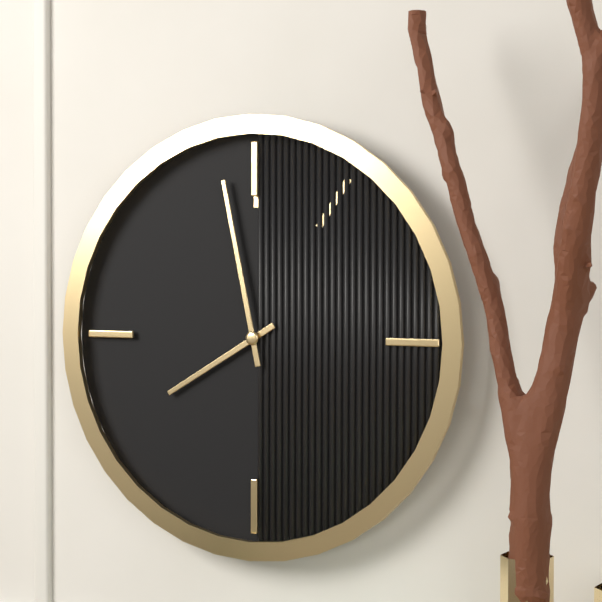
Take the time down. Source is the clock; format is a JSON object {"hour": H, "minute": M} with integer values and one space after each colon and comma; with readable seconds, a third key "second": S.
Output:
{"hour": 7, "minute": 58}
